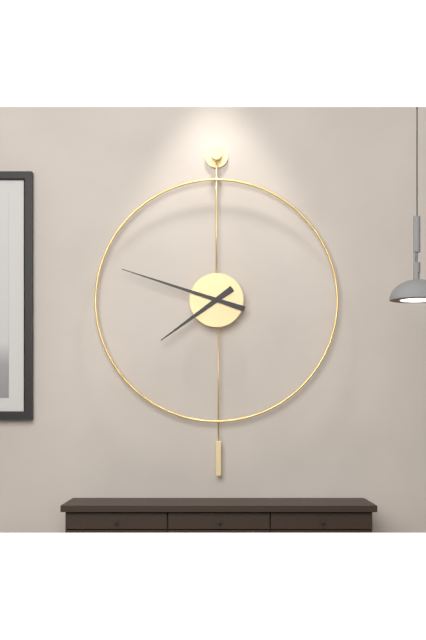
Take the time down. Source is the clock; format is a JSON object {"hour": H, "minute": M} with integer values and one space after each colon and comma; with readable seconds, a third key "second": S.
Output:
{"hour": 7, "minute": 48}
